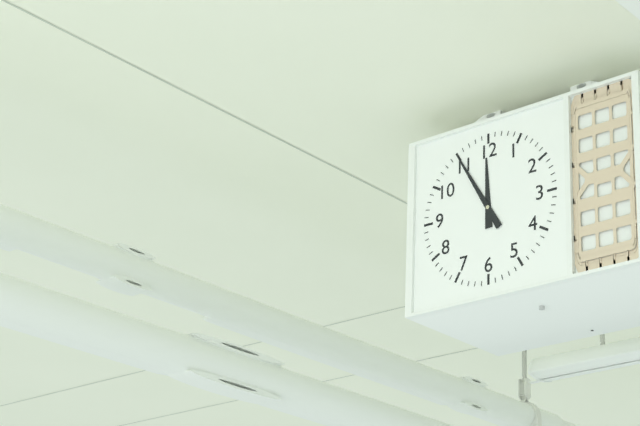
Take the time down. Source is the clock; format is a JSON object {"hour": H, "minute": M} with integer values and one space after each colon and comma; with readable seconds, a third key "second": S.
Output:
{"hour": 11, "minute": 55}
